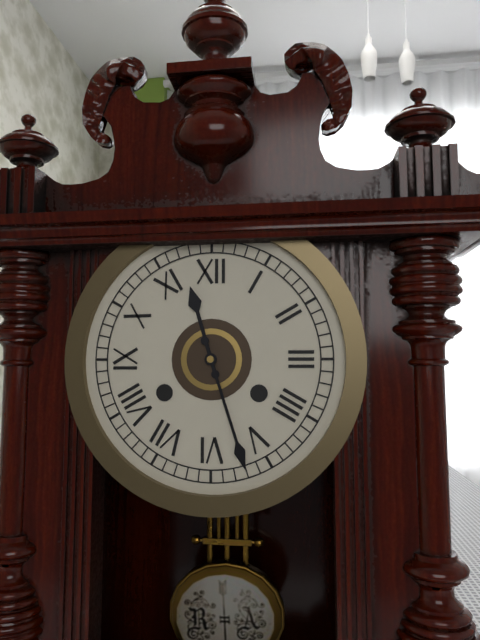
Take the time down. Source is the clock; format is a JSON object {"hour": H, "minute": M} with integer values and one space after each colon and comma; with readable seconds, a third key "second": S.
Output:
{"hour": 11, "minute": 27}
